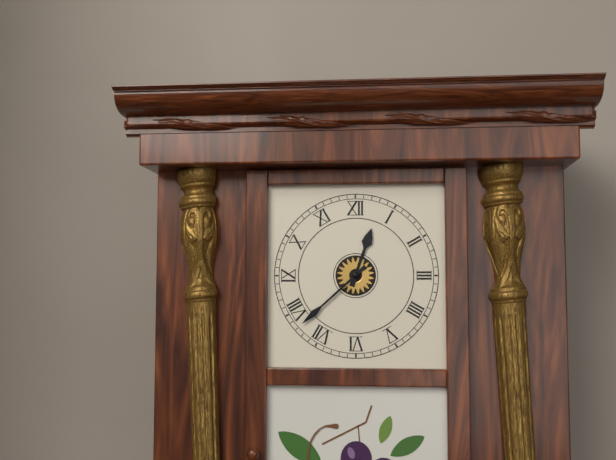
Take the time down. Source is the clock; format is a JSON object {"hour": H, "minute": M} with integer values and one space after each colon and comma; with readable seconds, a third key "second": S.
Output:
{"hour": 12, "minute": 38}
